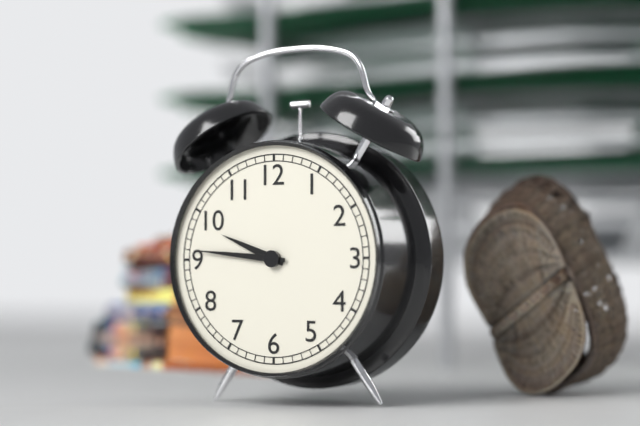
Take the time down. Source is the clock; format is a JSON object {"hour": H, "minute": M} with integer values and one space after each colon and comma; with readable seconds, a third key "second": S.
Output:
{"hour": 9, "minute": 46}
